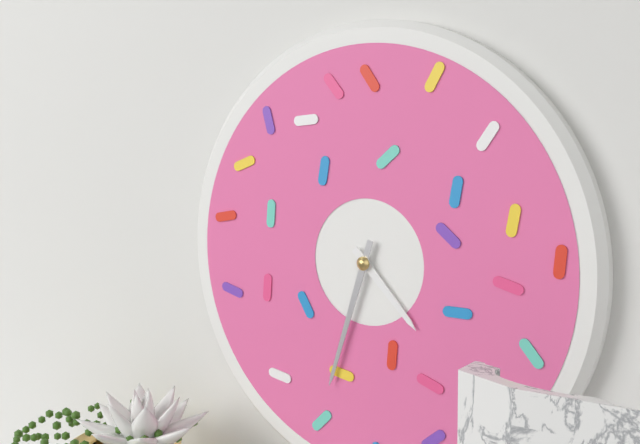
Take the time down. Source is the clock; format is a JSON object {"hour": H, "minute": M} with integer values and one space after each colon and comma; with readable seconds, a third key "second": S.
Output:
{"hour": 4, "minute": 33}
